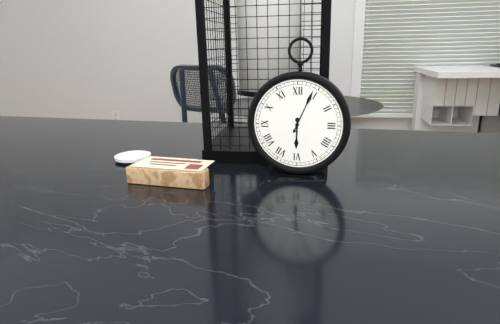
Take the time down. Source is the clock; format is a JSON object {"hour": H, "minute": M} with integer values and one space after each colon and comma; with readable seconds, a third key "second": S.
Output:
{"hour": 6, "minute": 4}
